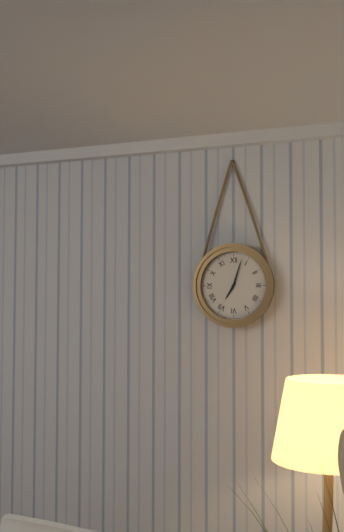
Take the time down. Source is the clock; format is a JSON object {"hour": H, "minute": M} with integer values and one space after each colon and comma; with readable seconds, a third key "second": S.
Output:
{"hour": 7, "minute": 3}
